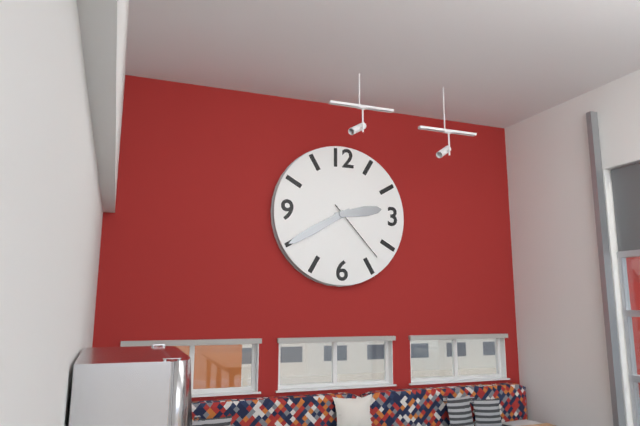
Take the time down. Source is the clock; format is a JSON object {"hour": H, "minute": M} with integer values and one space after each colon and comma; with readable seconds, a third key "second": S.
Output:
{"hour": 2, "minute": 40, "second": 23}
